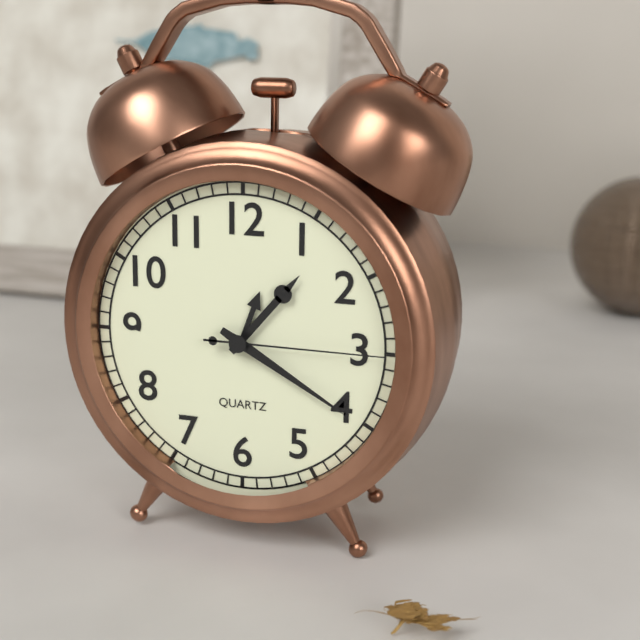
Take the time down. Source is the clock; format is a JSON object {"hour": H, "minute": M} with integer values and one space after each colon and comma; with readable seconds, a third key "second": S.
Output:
{"hour": 1, "minute": 20, "second": 15}
